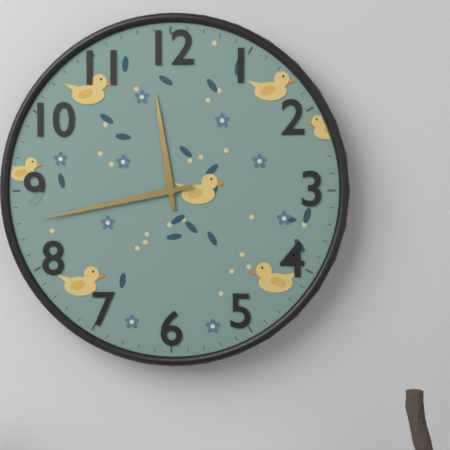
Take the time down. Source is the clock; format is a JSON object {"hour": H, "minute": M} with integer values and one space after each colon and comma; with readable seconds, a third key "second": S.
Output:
{"hour": 11, "minute": 43}
